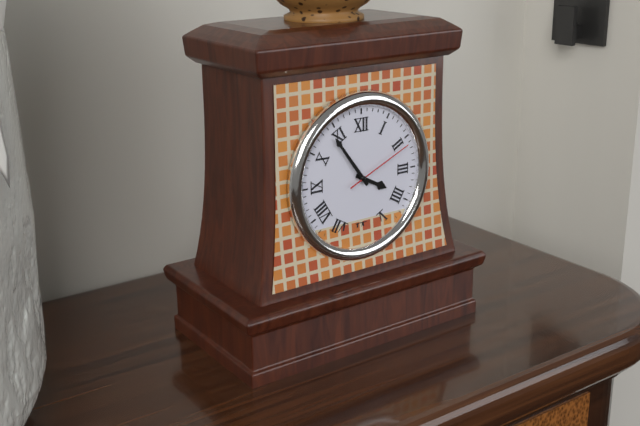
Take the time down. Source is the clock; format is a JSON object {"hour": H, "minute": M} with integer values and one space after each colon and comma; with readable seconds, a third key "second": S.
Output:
{"hour": 3, "minute": 54, "second": 11}
